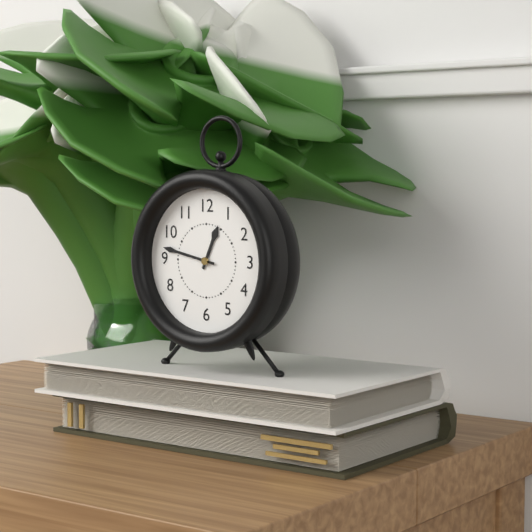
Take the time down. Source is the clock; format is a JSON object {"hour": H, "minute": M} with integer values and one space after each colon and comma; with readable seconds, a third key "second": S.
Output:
{"hour": 12, "minute": 47}
